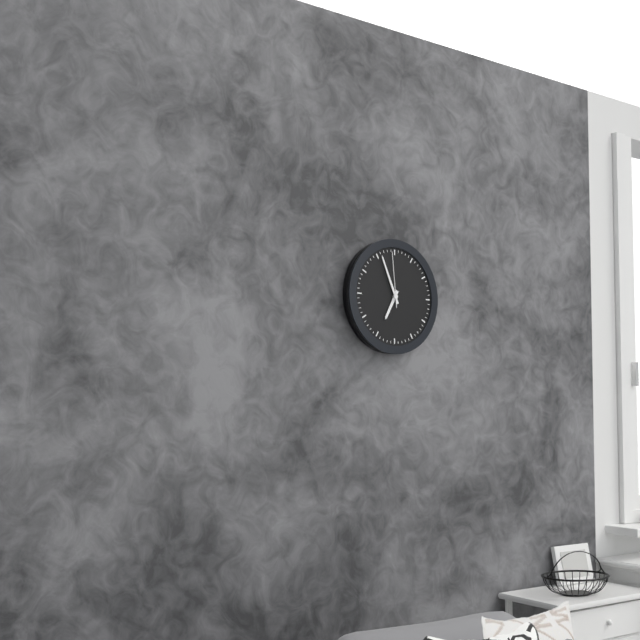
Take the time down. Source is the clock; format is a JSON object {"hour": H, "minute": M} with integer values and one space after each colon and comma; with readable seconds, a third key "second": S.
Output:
{"hour": 6, "minute": 56, "second": 59}
